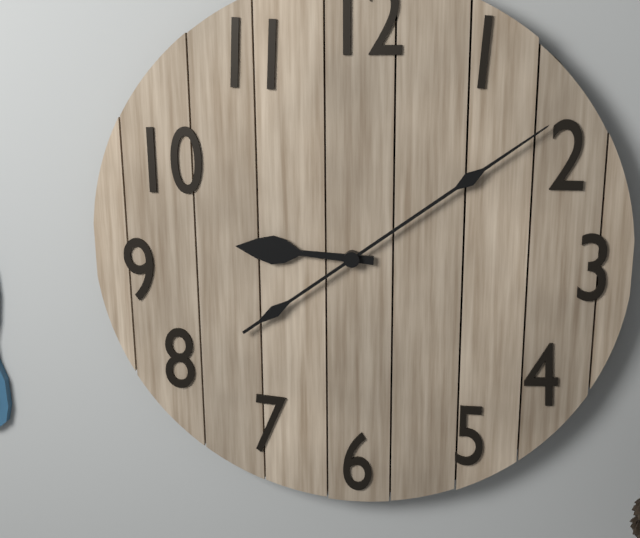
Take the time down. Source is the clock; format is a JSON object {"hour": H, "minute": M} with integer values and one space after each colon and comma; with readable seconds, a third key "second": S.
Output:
{"hour": 9, "minute": 9}
